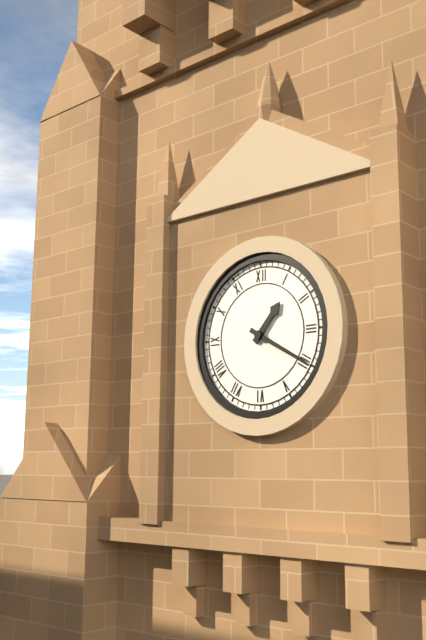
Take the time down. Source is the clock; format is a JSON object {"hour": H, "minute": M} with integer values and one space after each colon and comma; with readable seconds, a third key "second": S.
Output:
{"hour": 1, "minute": 20}
